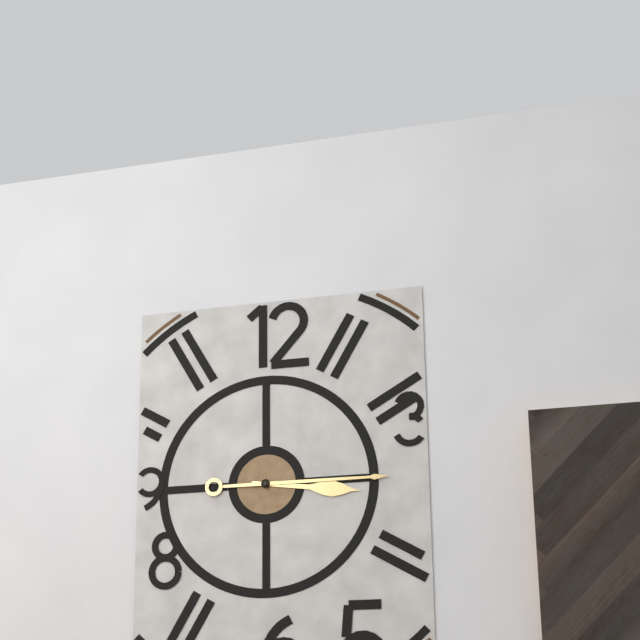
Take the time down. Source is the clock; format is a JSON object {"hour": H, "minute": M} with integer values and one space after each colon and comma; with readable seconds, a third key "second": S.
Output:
{"hour": 3, "minute": 15}
